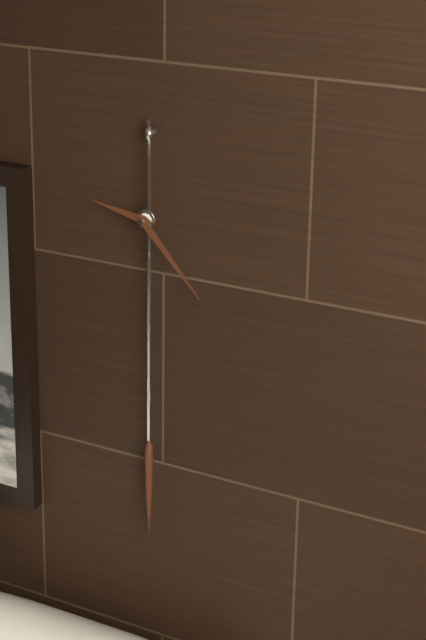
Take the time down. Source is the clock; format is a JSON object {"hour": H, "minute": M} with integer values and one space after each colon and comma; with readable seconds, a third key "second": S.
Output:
{"hour": 9, "minute": 23}
